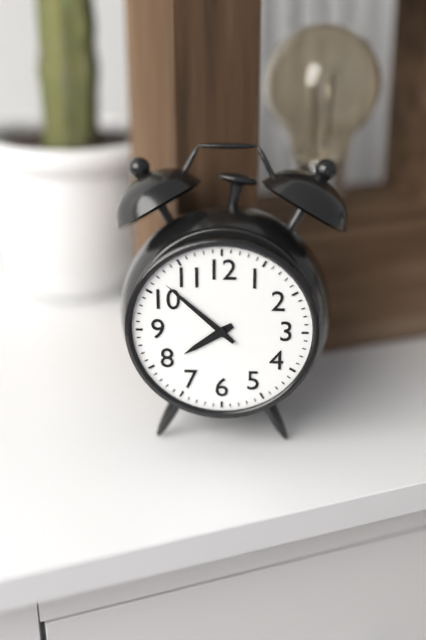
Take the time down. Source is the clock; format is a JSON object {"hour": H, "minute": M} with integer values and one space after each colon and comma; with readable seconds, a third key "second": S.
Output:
{"hour": 7, "minute": 52}
